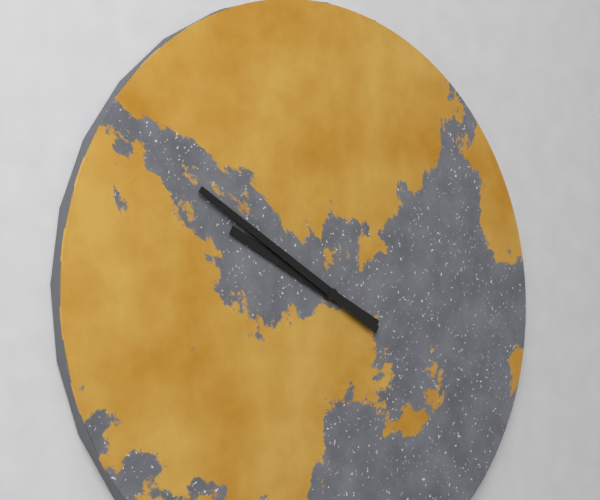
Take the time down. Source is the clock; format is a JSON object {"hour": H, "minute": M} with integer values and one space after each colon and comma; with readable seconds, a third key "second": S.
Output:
{"hour": 9, "minute": 50}
